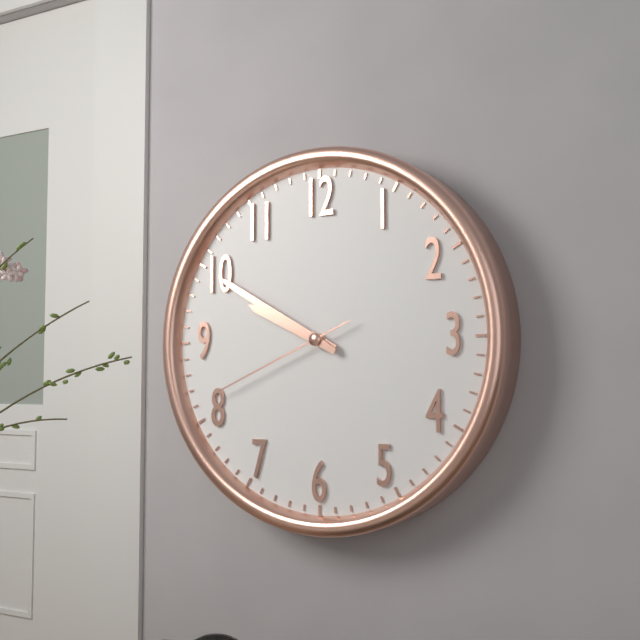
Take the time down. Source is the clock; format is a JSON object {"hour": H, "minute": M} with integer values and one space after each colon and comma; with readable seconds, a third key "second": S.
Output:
{"hour": 9, "minute": 50, "second": 41}
